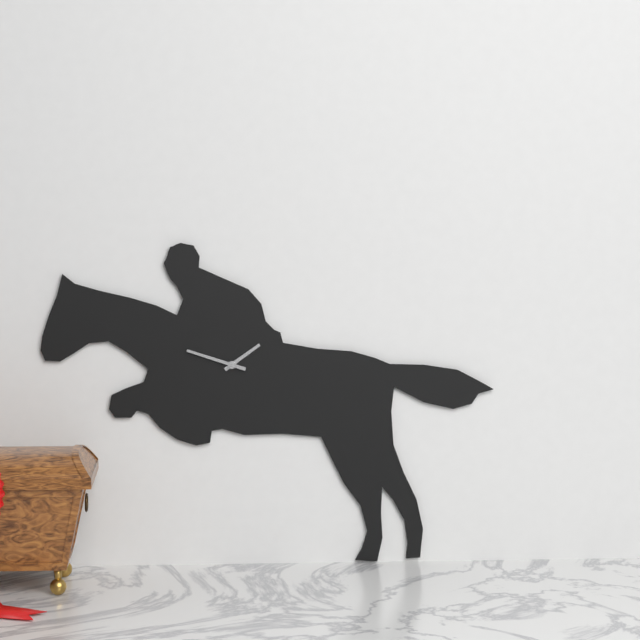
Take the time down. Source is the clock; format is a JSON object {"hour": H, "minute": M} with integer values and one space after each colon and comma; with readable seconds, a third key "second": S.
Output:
{"hour": 1, "minute": 48}
